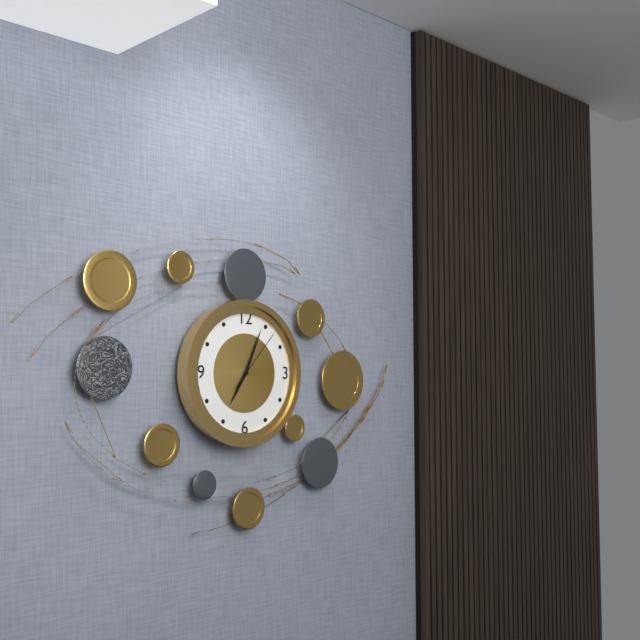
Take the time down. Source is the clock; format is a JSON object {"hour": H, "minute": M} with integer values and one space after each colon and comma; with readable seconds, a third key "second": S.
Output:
{"hour": 7, "minute": 4, "second": 7}
